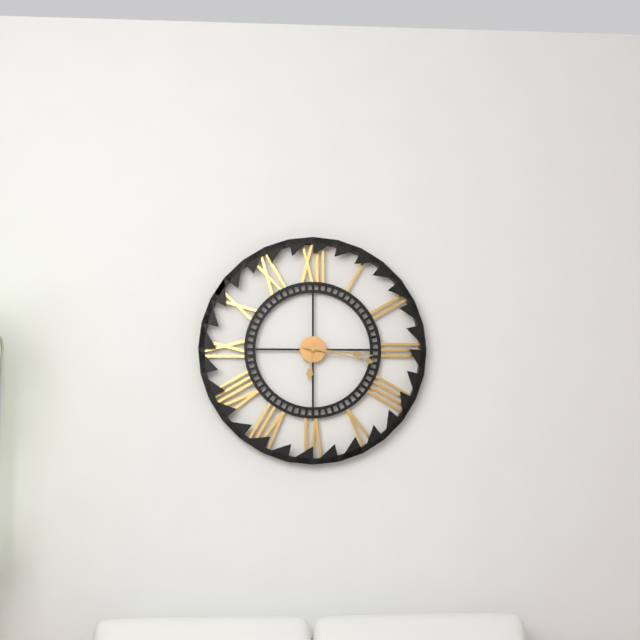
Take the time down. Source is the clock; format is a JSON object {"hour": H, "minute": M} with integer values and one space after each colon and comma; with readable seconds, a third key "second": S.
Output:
{"hour": 6, "minute": 16, "second": 17}
